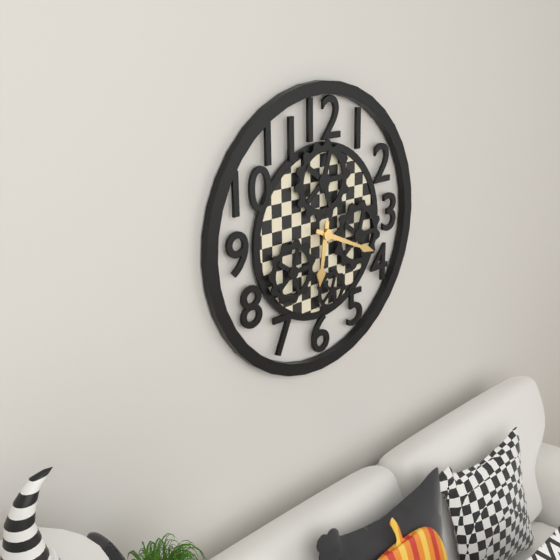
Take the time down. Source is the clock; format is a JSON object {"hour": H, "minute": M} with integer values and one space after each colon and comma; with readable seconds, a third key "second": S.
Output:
{"hour": 6, "minute": 19}
